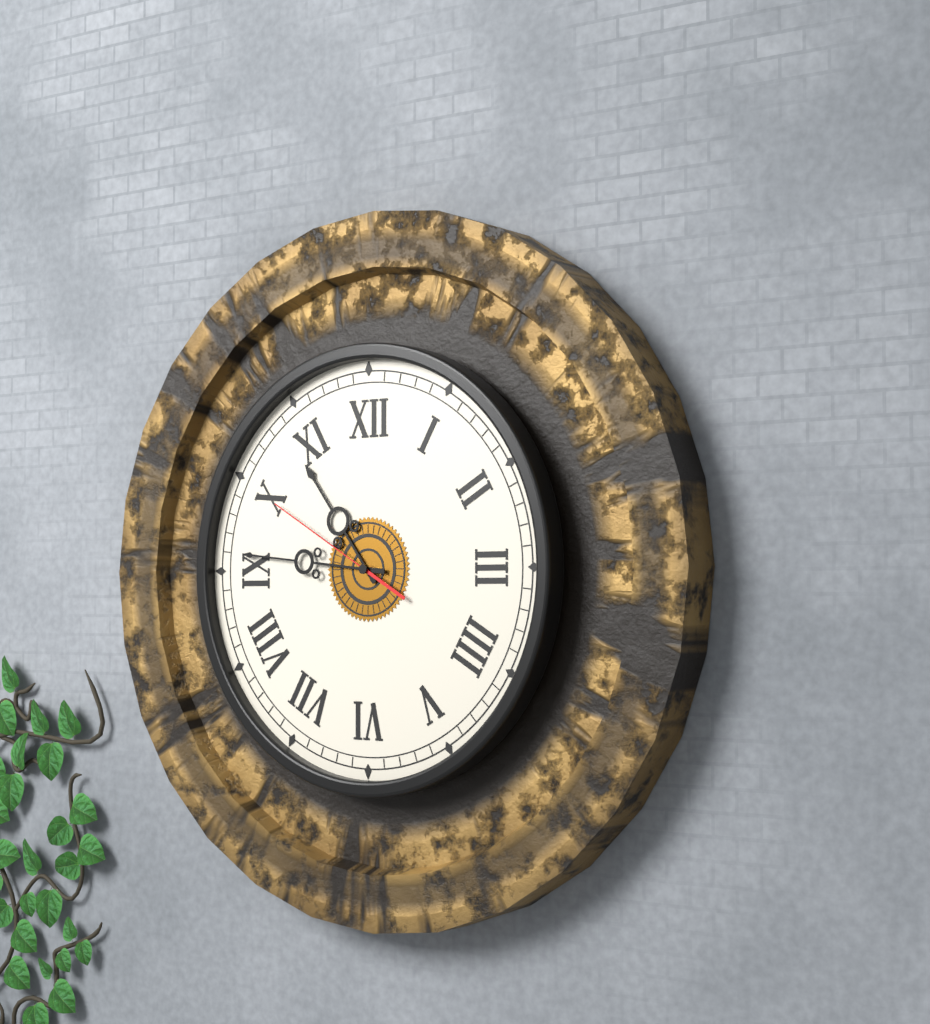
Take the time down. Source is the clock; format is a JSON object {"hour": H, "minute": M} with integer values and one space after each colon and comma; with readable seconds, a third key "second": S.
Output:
{"hour": 10, "minute": 46, "second": 50}
